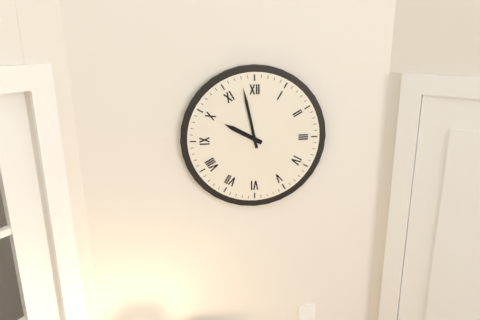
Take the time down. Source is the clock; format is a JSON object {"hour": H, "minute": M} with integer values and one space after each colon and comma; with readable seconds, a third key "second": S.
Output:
{"hour": 9, "minute": 58}
